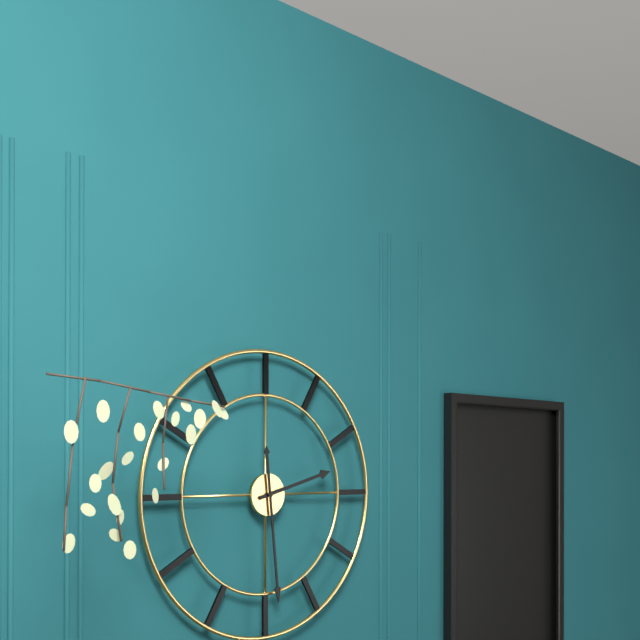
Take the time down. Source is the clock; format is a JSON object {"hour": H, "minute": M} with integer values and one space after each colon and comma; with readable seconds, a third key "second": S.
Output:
{"hour": 2, "minute": 29}
